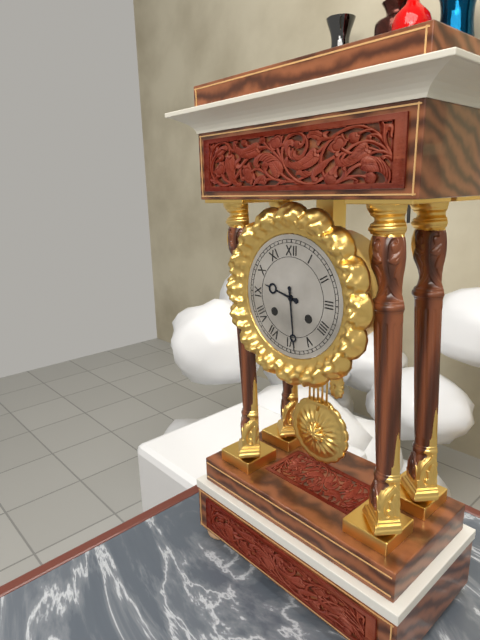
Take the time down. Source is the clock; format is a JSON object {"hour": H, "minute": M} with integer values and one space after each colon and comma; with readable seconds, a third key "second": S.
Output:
{"hour": 9, "minute": 29}
